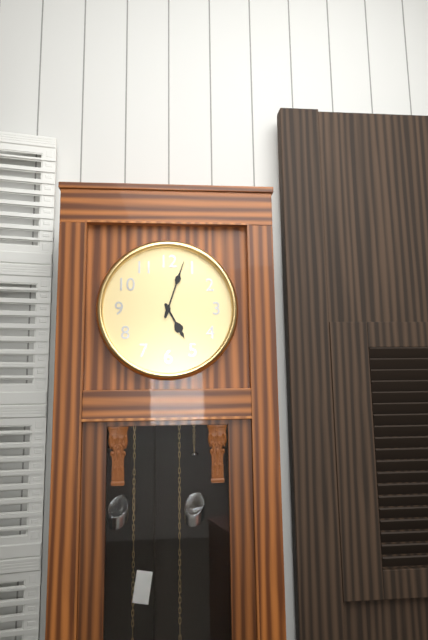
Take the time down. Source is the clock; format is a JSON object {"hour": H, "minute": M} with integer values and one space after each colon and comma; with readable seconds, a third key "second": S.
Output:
{"hour": 5, "minute": 3}
